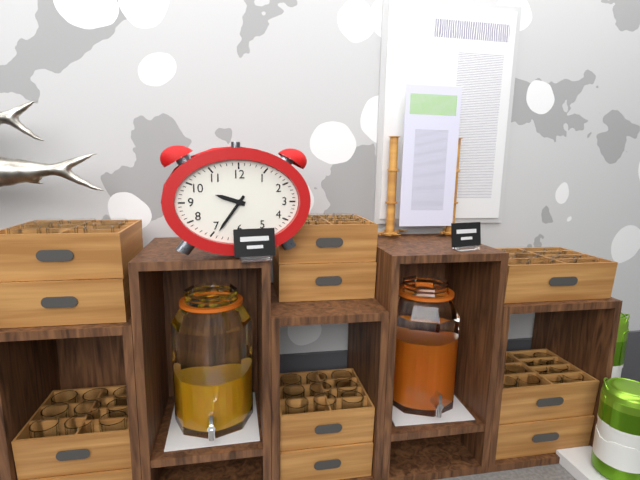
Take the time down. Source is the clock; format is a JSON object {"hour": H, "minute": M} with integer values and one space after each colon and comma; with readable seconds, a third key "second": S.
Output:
{"hour": 9, "minute": 36}
